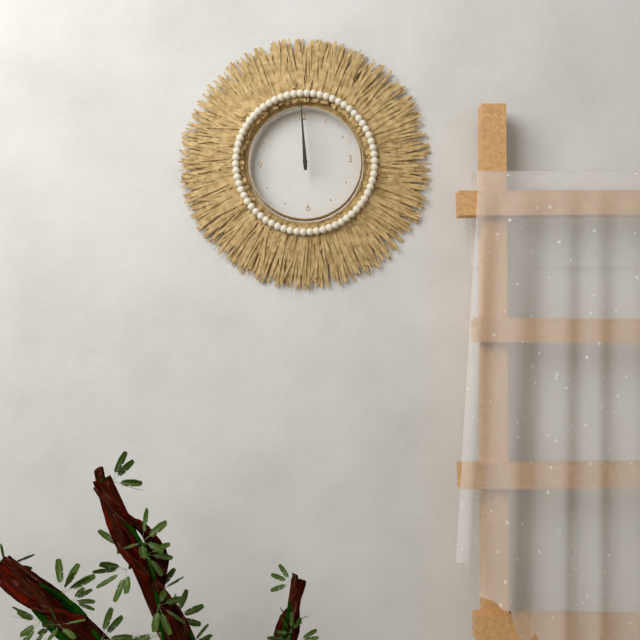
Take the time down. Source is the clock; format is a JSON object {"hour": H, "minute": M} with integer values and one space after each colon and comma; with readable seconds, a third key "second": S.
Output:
{"hour": 12, "minute": 0}
